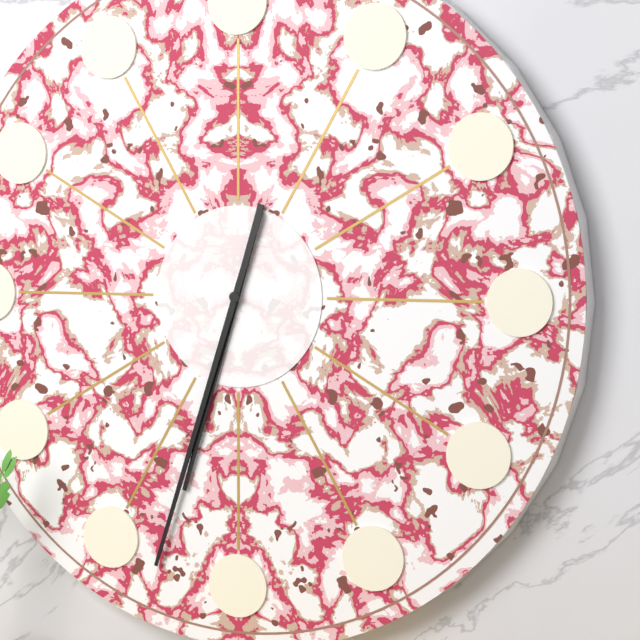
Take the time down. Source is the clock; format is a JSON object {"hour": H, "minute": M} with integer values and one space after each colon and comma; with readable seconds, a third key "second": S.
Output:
{"hour": 6, "minute": 33}
